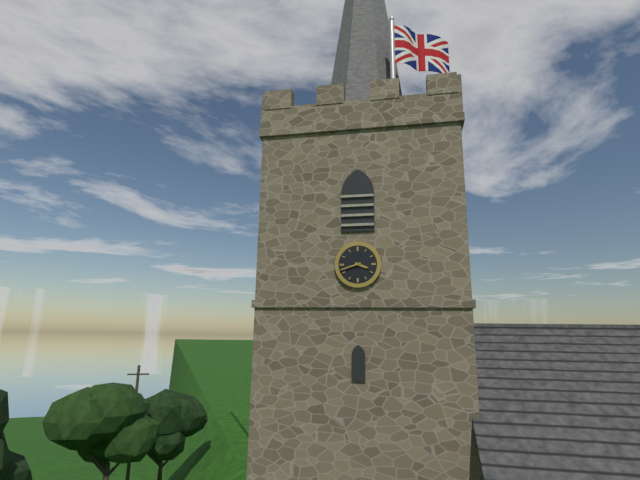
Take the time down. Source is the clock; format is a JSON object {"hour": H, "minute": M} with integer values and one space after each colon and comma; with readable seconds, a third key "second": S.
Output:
{"hour": 3, "minute": 42}
